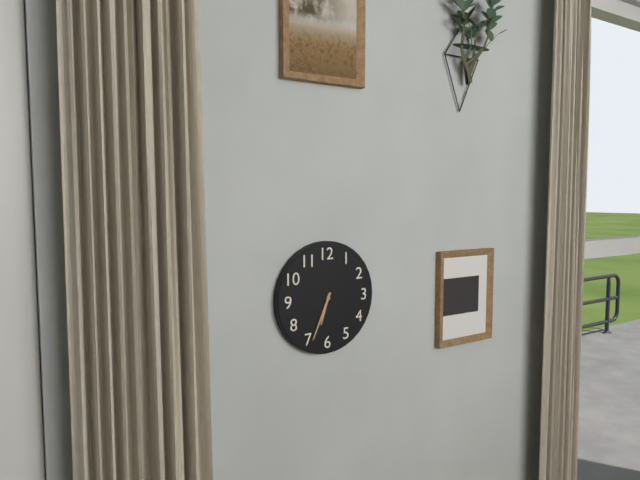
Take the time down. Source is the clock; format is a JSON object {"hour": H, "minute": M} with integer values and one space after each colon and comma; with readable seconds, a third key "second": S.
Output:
{"hour": 6, "minute": 34}
